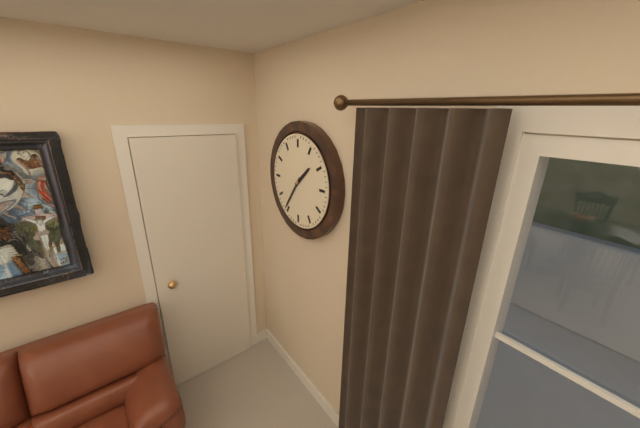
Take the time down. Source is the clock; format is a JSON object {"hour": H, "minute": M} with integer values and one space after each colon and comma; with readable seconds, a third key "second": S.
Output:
{"hour": 1, "minute": 36}
